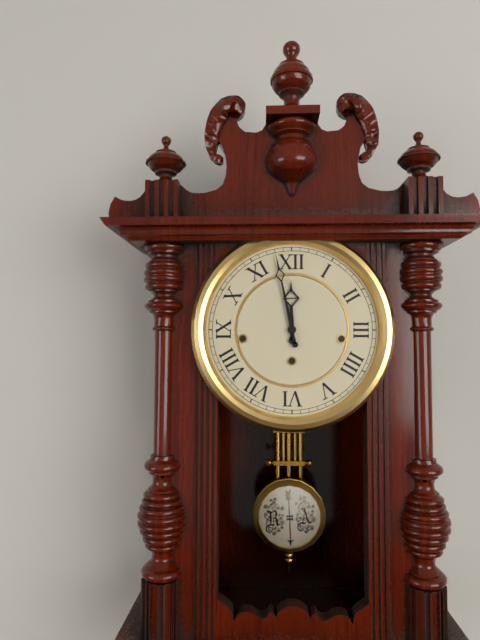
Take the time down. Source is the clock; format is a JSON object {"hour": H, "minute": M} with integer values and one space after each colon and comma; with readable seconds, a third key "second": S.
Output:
{"hour": 11, "minute": 58}
